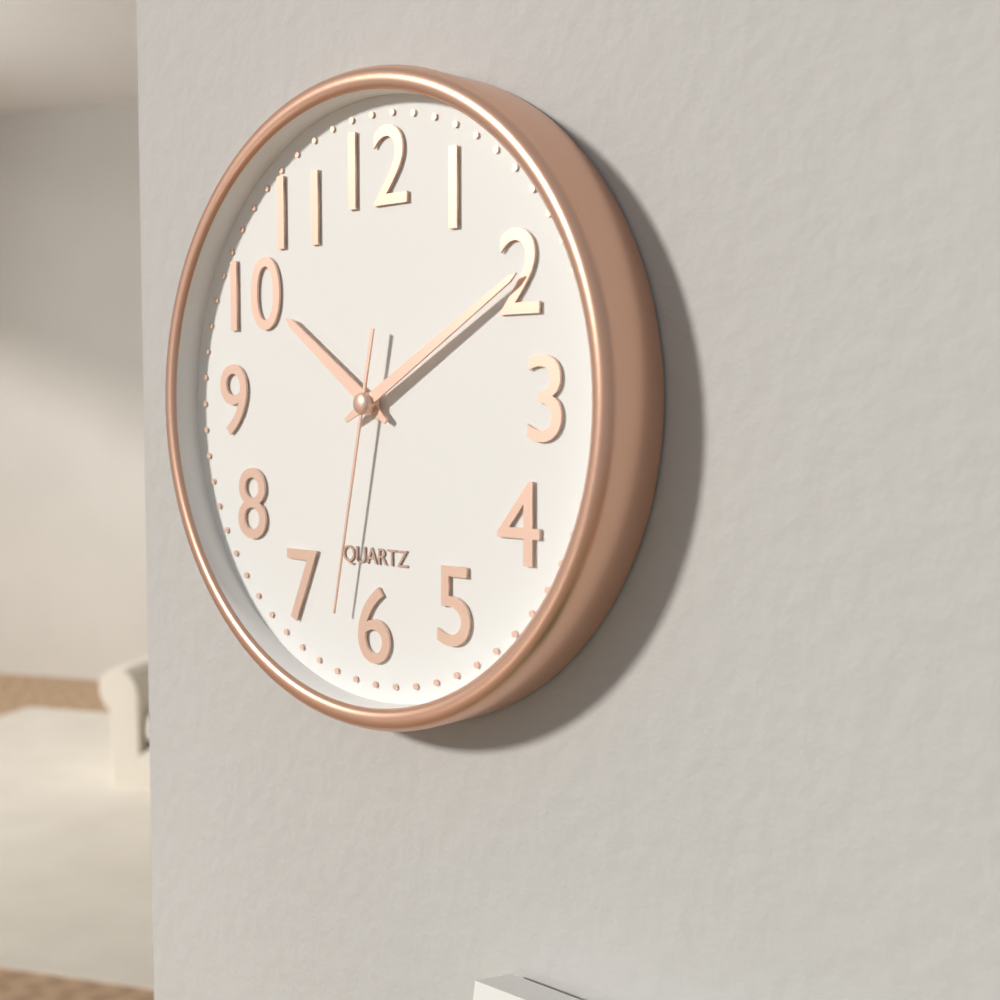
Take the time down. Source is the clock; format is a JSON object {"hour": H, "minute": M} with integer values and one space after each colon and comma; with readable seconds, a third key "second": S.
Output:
{"hour": 10, "minute": 10, "second": 32}
